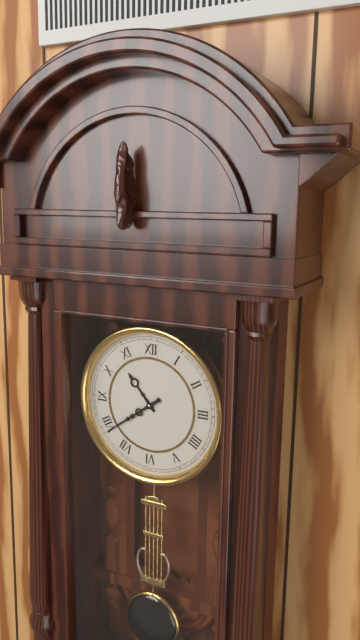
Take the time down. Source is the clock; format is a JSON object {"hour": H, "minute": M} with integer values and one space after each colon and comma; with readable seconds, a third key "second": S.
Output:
{"hour": 10, "minute": 39}
